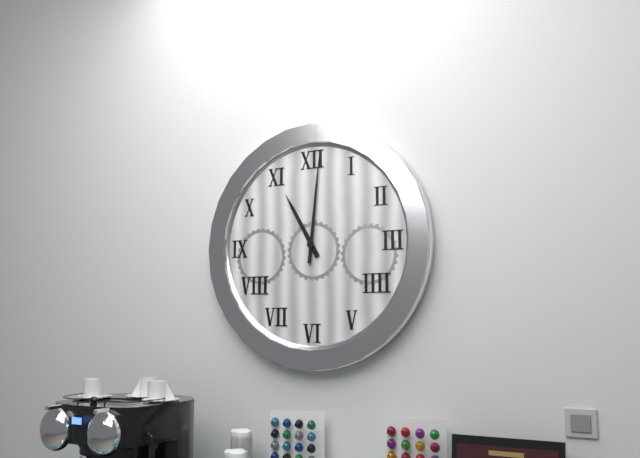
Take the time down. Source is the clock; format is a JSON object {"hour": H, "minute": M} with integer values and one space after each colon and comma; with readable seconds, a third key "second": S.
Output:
{"hour": 11, "minute": 1}
